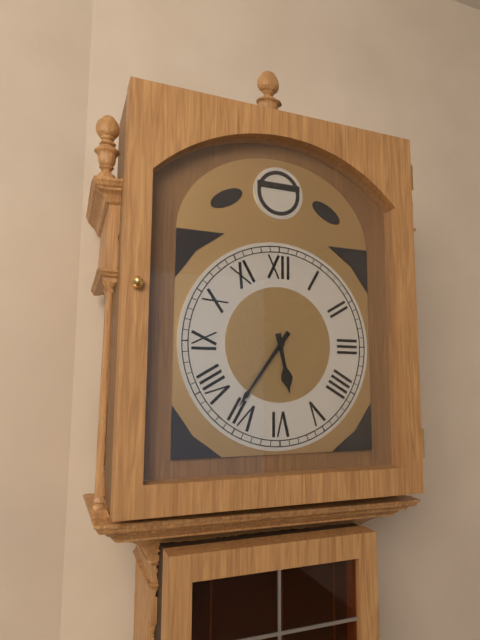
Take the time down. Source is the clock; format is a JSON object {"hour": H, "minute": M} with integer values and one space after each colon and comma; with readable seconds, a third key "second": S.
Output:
{"hour": 5, "minute": 36}
